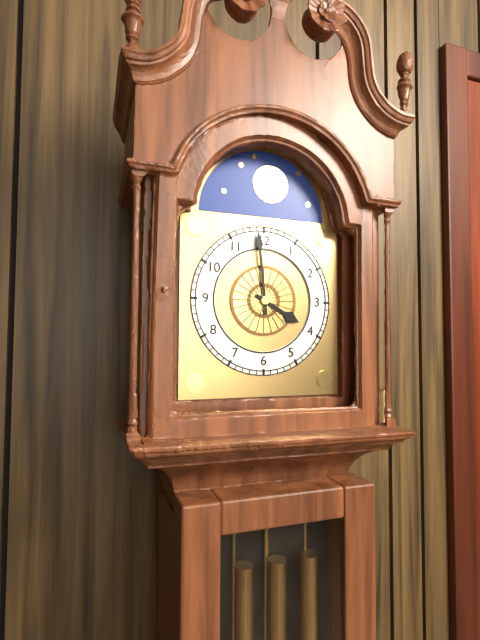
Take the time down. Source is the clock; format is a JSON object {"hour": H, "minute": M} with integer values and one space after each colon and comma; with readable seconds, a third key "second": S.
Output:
{"hour": 3, "minute": 59}
